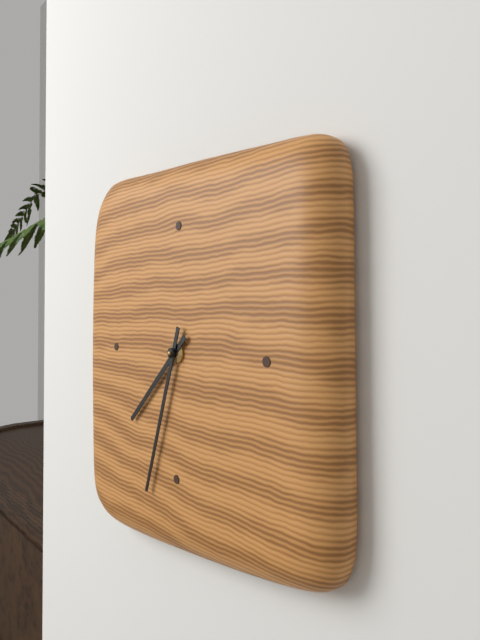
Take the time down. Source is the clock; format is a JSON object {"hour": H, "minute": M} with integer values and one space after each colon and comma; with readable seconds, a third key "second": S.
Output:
{"hour": 7, "minute": 33}
